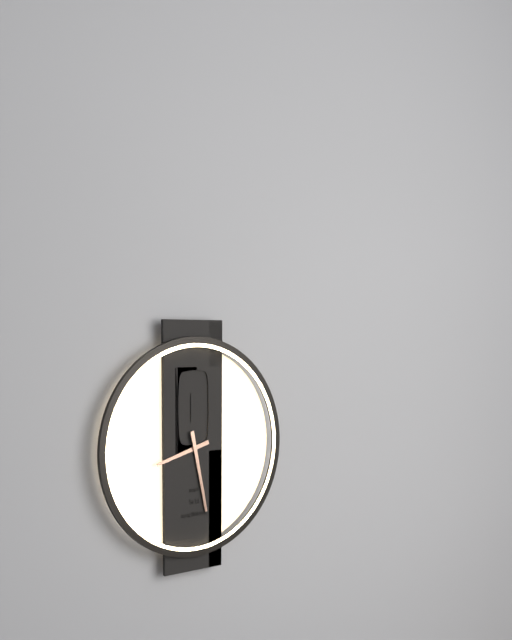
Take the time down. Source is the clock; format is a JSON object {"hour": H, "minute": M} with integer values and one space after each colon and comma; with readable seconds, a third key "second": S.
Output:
{"hour": 8, "minute": 28}
